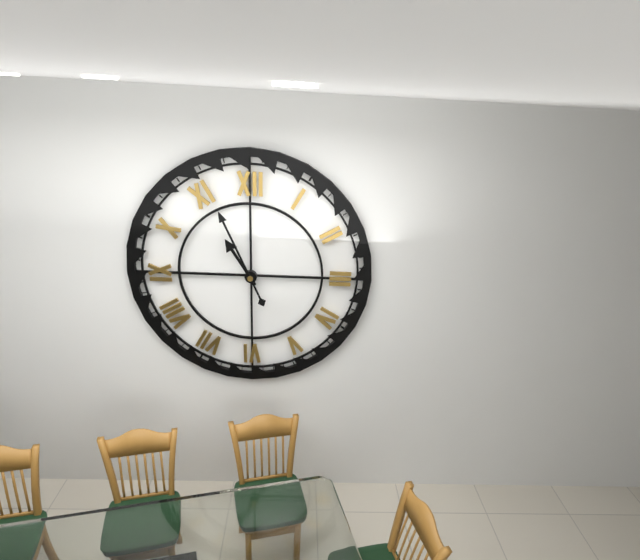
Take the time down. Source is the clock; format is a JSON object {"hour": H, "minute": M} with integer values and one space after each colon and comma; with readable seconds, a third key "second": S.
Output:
{"hour": 10, "minute": 56}
